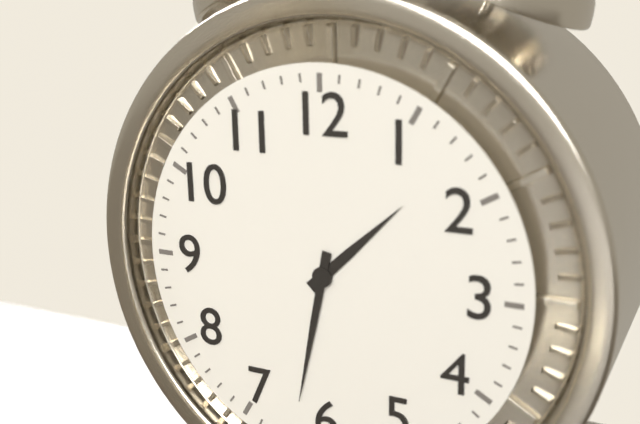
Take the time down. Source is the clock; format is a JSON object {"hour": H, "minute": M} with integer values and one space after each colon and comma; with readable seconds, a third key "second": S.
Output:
{"hour": 1, "minute": 32}
